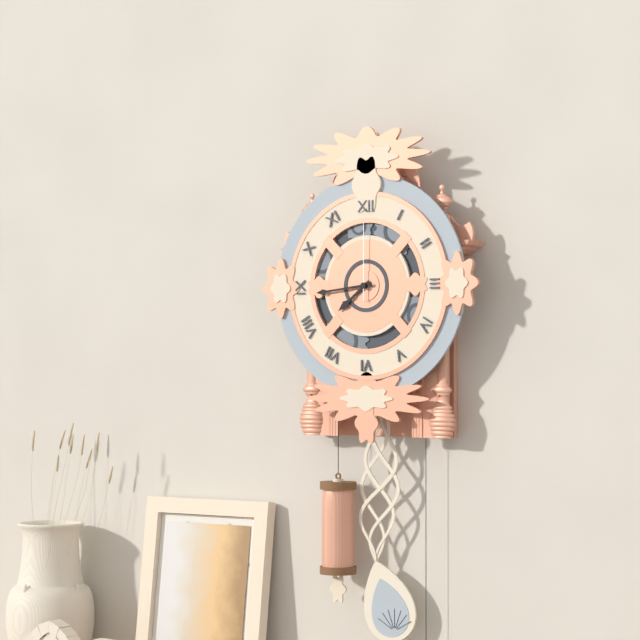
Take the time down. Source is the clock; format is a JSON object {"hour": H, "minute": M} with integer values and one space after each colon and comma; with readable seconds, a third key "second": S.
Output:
{"hour": 7, "minute": 44, "second": 0}
